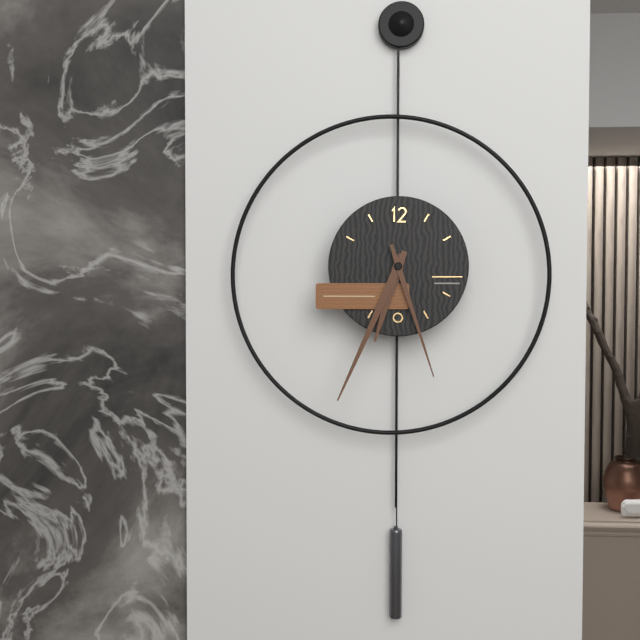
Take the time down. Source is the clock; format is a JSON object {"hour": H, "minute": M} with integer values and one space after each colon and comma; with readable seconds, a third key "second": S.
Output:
{"hour": 6, "minute": 34, "second": 27}
